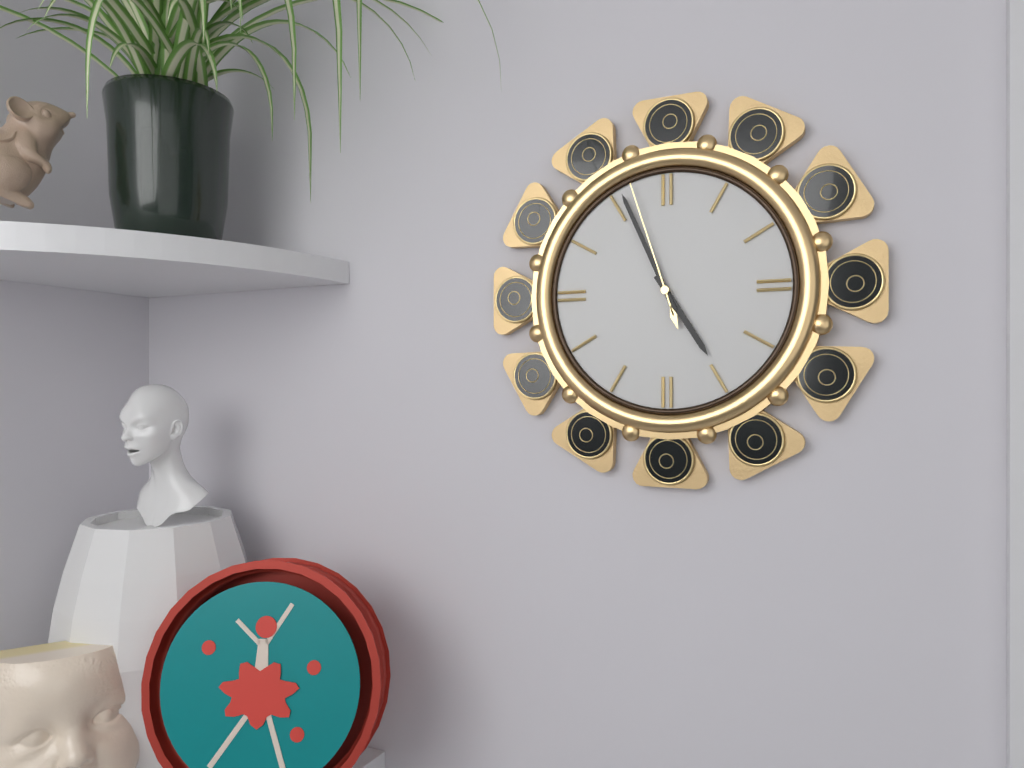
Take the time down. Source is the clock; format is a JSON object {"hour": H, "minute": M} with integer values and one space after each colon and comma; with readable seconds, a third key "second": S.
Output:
{"hour": 4, "minute": 56, "second": 57}
